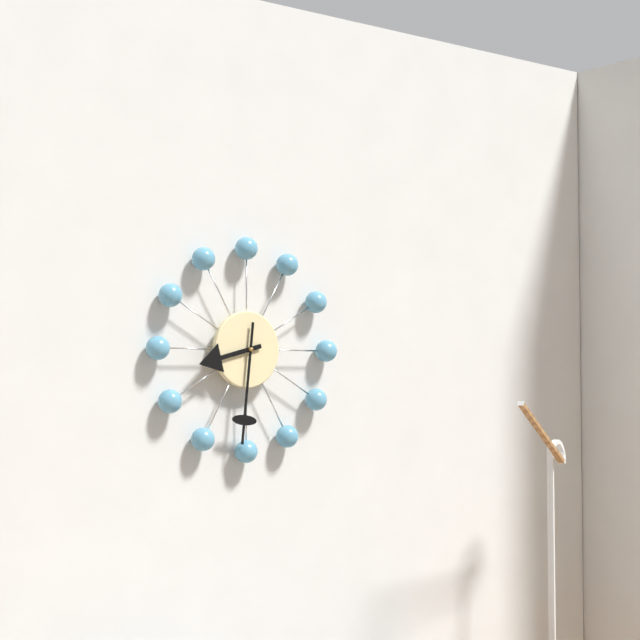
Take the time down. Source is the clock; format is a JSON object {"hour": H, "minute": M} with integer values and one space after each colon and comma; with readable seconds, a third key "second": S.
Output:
{"hour": 8, "minute": 31}
